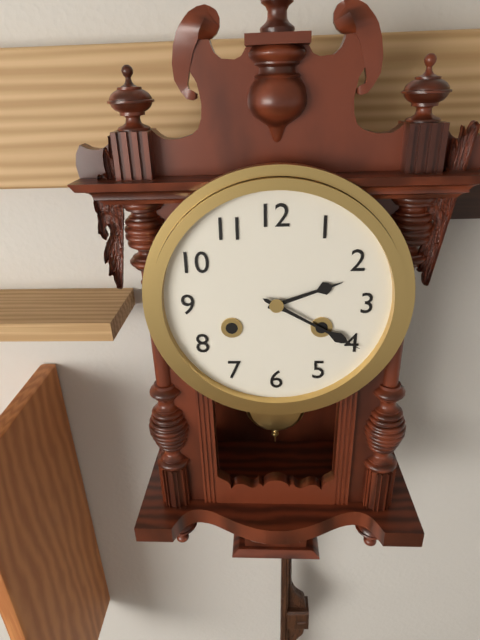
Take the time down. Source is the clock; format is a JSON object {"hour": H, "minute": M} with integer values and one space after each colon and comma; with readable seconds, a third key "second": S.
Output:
{"hour": 2, "minute": 20}
